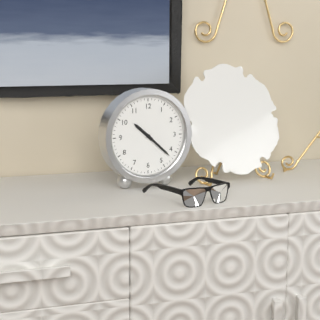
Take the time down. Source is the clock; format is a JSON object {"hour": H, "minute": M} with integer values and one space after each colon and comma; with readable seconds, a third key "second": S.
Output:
{"hour": 10, "minute": 22}
